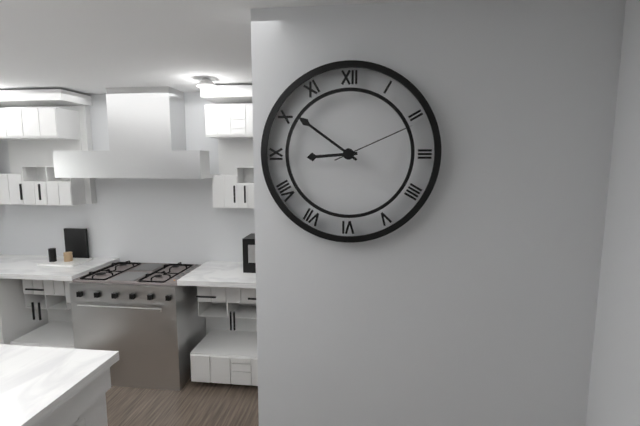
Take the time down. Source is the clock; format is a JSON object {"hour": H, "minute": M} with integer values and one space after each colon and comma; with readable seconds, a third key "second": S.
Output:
{"hour": 8, "minute": 51, "second": 11}
